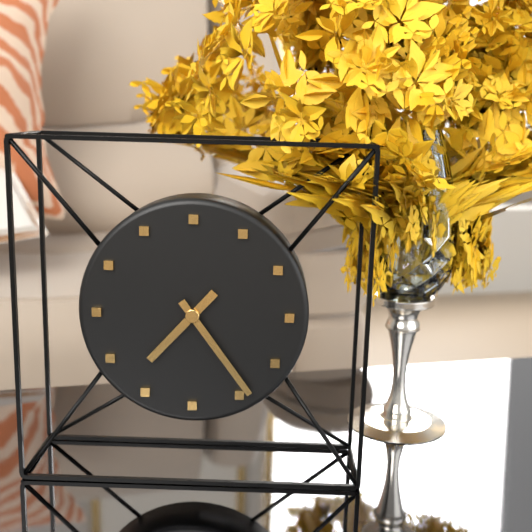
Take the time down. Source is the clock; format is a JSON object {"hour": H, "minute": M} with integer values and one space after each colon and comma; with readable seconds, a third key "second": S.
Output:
{"hour": 7, "minute": 24}
